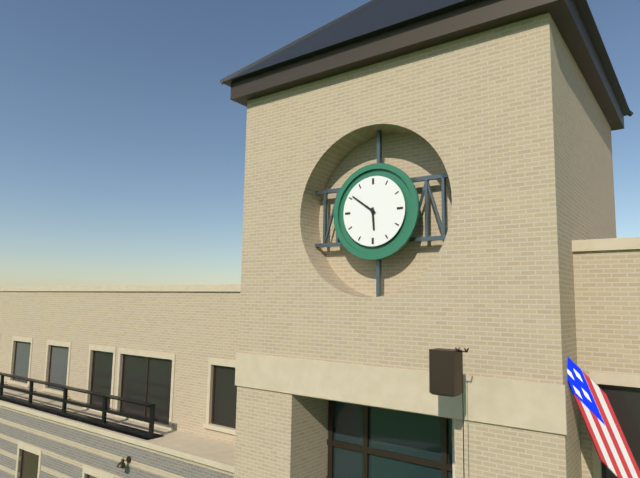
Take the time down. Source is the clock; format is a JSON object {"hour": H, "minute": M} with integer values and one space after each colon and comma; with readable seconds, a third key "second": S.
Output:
{"hour": 5, "minute": 51}
